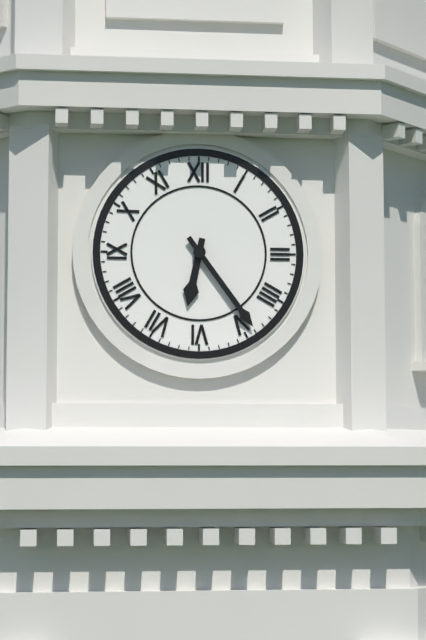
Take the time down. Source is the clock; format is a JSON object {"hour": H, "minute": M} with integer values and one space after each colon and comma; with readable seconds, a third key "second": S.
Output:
{"hour": 6, "minute": 24}
